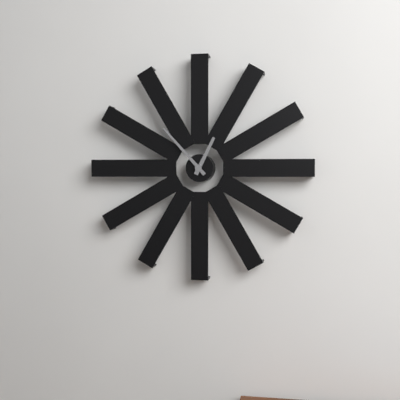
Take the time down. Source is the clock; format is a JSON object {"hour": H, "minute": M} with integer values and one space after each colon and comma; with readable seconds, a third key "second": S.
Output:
{"hour": 12, "minute": 53}
